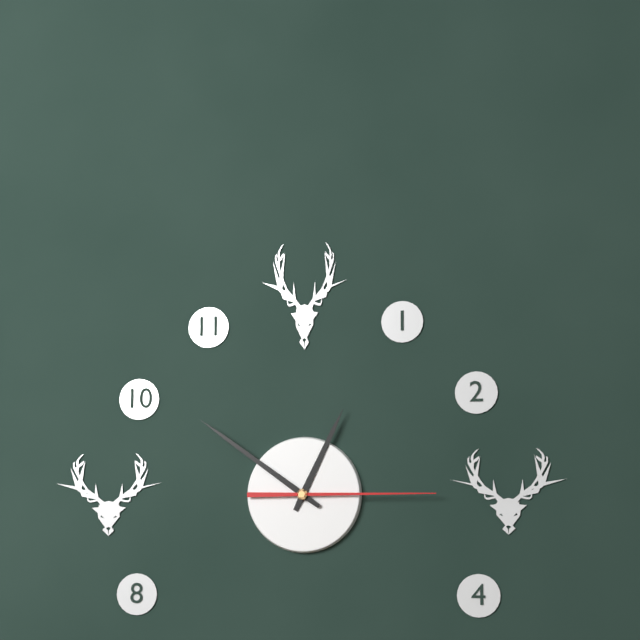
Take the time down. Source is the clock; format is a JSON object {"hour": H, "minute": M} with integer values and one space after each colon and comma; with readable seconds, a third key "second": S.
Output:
{"hour": 12, "minute": 51, "second": 15}
